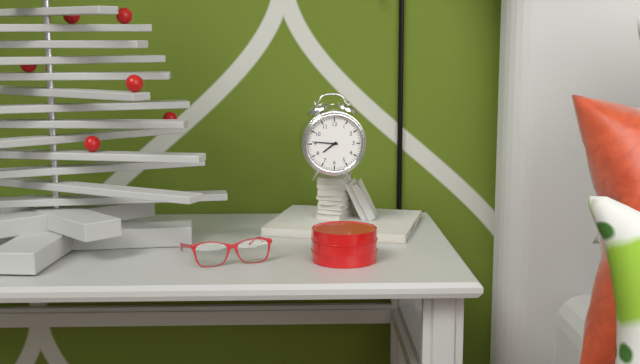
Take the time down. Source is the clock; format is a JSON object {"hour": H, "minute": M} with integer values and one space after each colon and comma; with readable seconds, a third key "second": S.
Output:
{"hour": 7, "minute": 46}
